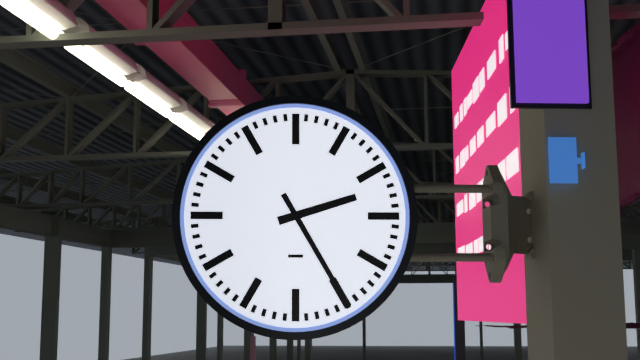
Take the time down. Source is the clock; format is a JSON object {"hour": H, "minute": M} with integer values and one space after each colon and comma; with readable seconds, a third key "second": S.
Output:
{"hour": 2, "minute": 25}
